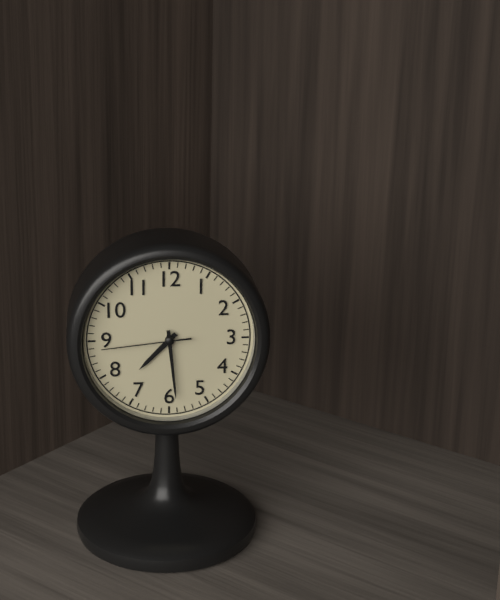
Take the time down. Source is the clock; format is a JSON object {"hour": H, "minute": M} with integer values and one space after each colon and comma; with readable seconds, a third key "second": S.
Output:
{"hour": 7, "minute": 29, "second": 44}
